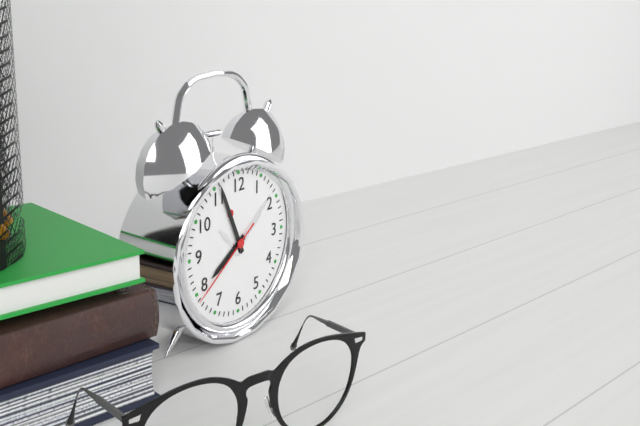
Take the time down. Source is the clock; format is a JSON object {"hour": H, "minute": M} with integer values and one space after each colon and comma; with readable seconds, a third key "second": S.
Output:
{"hour": 7, "minute": 56, "second": 39}
